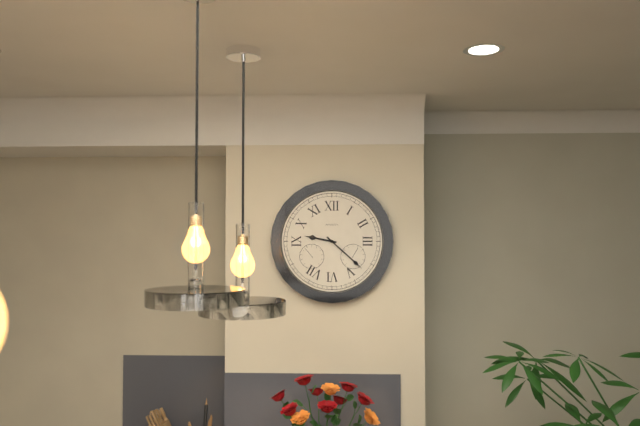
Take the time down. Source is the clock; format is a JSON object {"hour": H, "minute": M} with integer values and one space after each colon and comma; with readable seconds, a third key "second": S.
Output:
{"hour": 9, "minute": 22}
